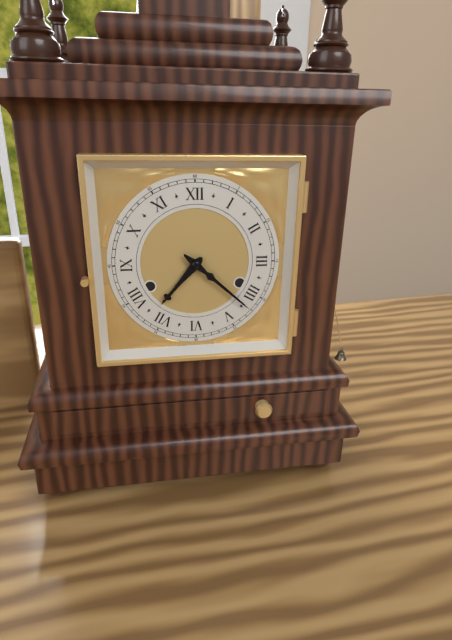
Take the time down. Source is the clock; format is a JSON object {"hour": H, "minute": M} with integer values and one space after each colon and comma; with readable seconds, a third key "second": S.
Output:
{"hour": 7, "minute": 22}
